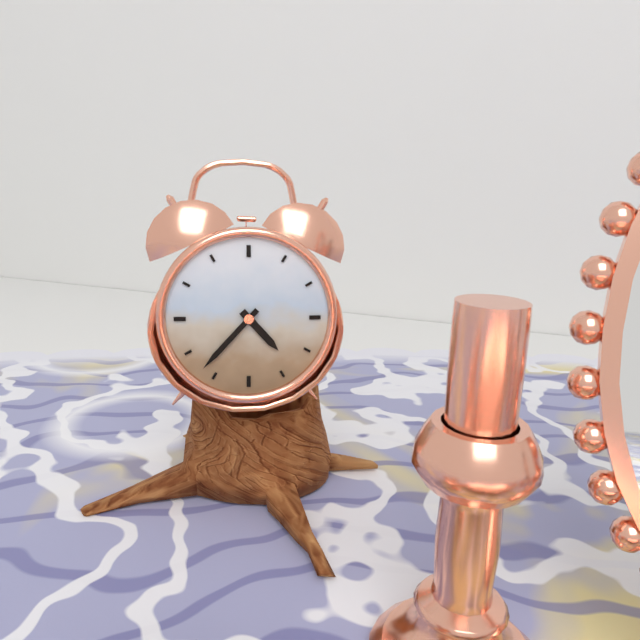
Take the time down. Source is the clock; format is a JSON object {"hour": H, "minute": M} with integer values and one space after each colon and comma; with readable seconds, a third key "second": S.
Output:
{"hour": 4, "minute": 37}
